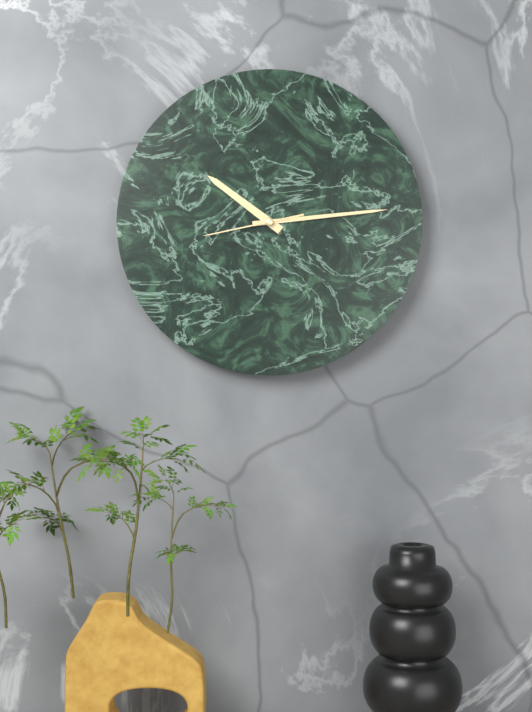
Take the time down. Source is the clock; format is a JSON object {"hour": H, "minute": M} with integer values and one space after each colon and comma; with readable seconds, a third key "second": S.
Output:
{"hour": 10, "minute": 14, "second": 43}
